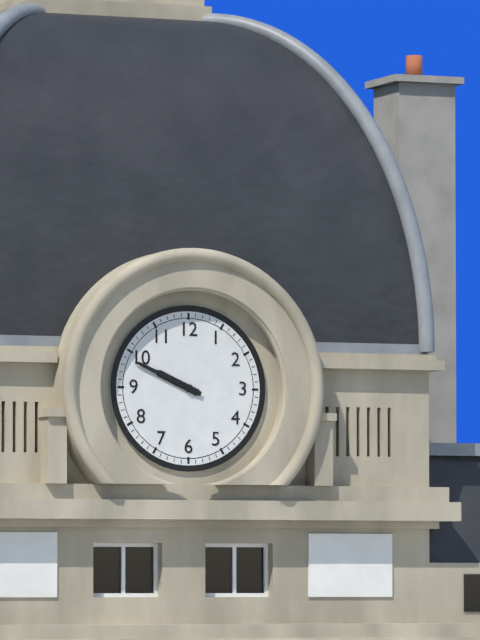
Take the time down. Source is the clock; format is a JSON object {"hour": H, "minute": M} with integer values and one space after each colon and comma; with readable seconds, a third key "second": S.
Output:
{"hour": 9, "minute": 49}
